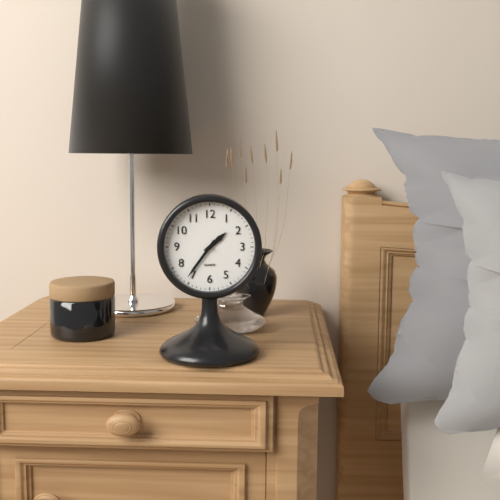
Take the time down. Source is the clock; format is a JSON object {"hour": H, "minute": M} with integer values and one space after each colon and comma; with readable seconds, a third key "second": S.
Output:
{"hour": 1, "minute": 36}
